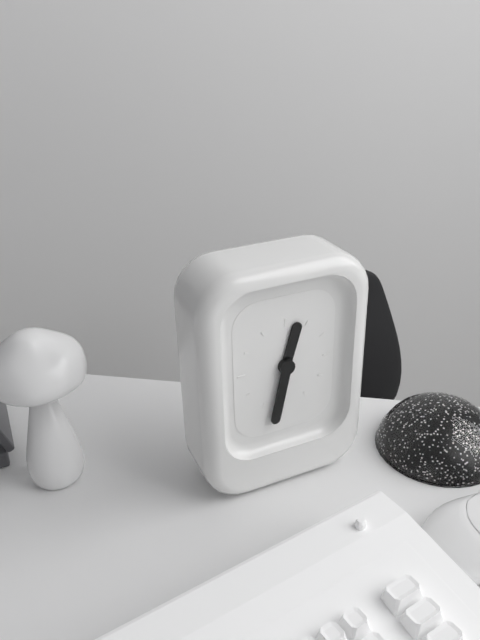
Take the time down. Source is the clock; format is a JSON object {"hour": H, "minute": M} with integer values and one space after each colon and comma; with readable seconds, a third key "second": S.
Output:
{"hour": 12, "minute": 32}
